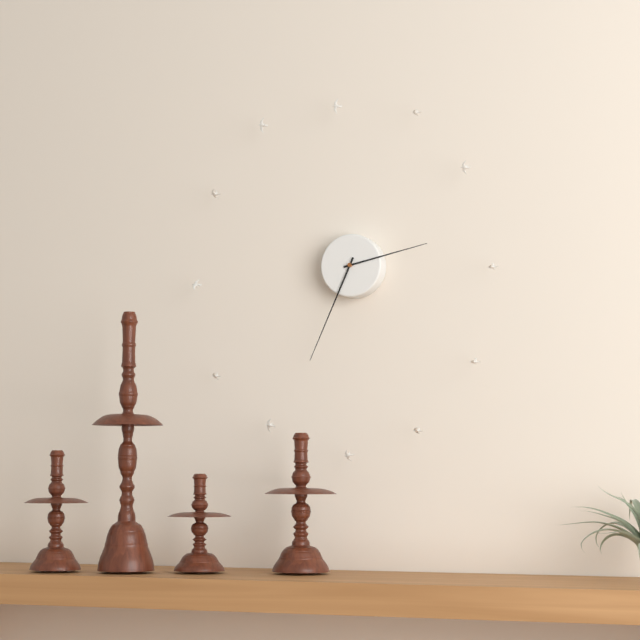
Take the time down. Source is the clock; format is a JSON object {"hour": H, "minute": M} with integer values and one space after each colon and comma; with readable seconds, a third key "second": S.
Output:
{"hour": 2, "minute": 34}
